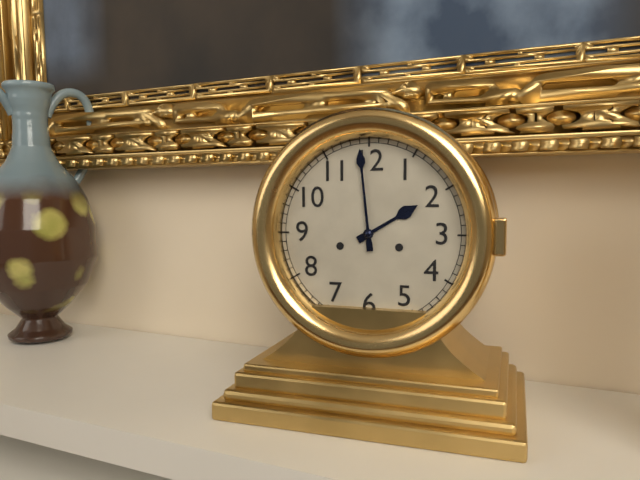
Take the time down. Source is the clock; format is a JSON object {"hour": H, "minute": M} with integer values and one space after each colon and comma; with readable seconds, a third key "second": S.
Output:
{"hour": 1, "minute": 59}
